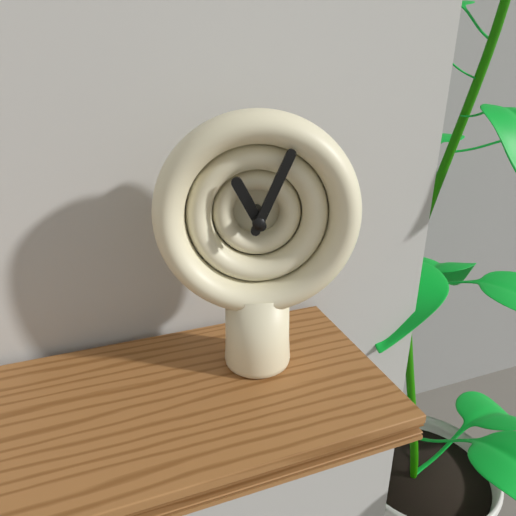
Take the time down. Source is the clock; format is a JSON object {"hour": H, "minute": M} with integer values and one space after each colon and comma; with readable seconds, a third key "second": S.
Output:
{"hour": 11, "minute": 4}
